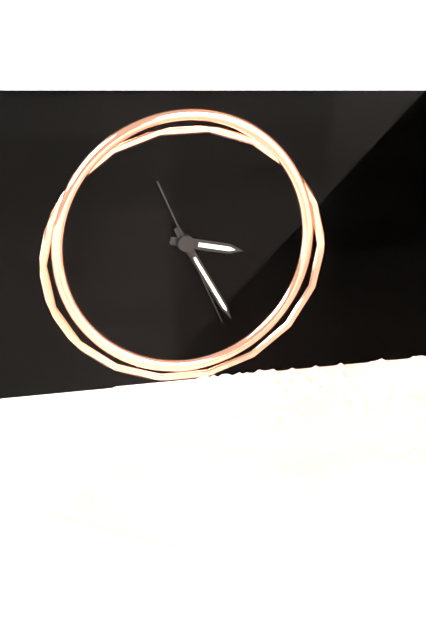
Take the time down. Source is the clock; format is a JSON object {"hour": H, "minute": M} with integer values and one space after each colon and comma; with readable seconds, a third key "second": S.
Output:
{"hour": 3, "minute": 25, "second": 26}
